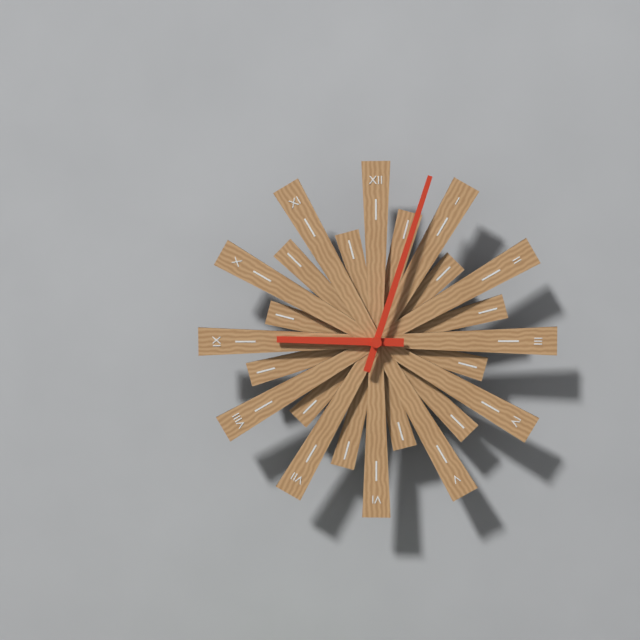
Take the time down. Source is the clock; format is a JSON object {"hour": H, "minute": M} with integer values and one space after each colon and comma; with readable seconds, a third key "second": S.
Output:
{"hour": 9, "minute": 3}
